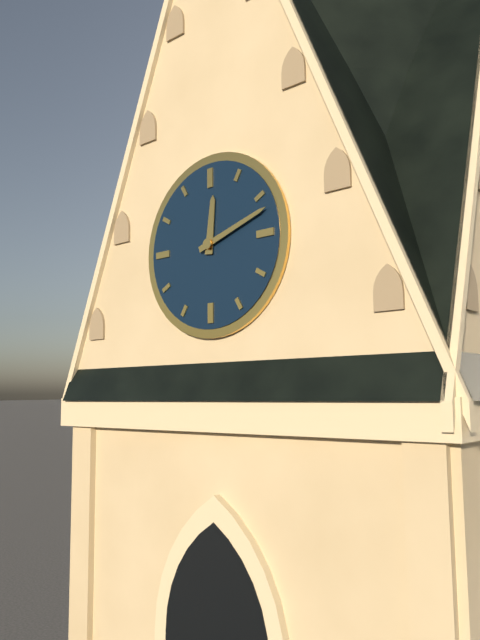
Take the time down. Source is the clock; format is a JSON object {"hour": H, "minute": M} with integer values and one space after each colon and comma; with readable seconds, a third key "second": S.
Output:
{"hour": 12, "minute": 12}
